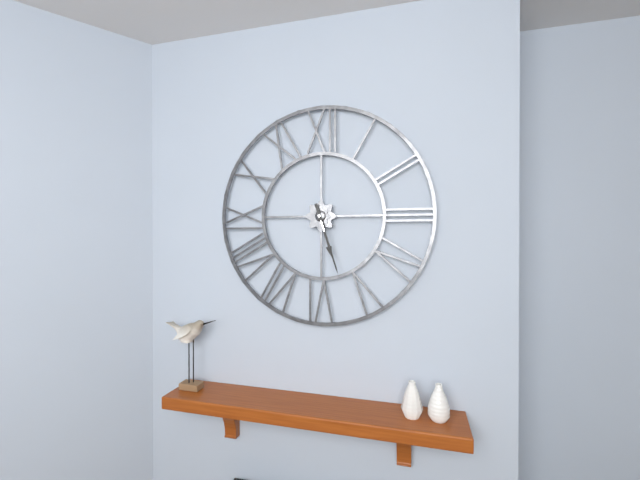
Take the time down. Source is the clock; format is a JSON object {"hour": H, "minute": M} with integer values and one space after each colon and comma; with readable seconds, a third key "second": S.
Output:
{"hour": 5, "minute": 27}
